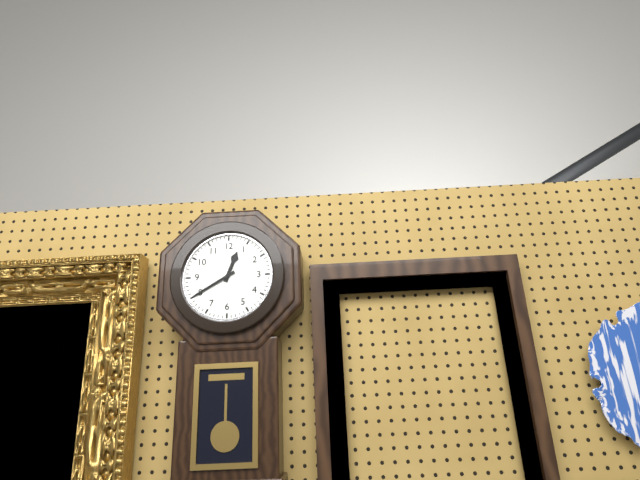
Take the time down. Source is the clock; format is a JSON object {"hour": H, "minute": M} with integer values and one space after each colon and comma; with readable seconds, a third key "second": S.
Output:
{"hour": 12, "minute": 40}
